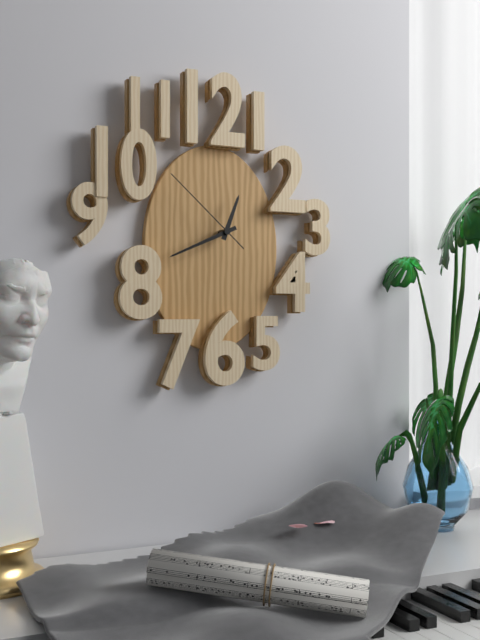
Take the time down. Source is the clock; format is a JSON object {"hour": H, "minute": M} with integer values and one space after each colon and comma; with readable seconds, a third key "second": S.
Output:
{"hour": 12, "minute": 41, "second": 52}
